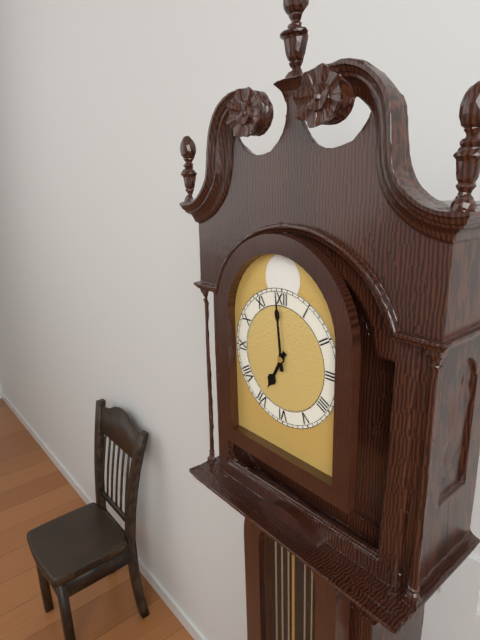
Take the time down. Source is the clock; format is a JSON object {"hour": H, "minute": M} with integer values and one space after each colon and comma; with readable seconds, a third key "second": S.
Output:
{"hour": 6, "minute": 59}
